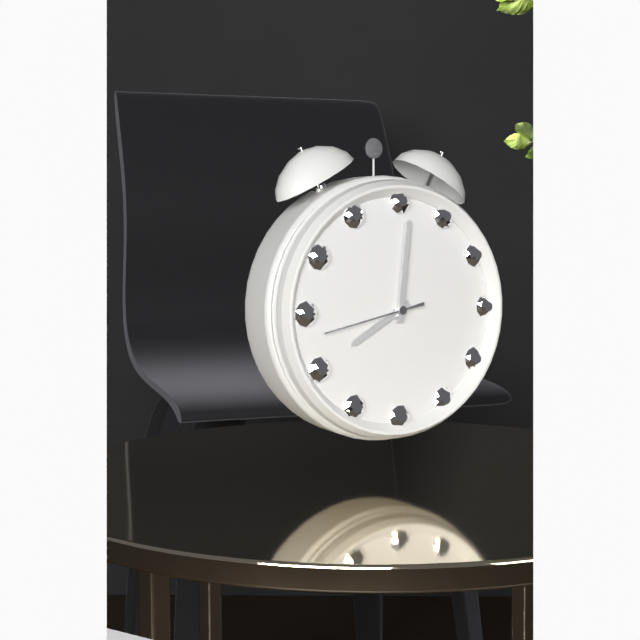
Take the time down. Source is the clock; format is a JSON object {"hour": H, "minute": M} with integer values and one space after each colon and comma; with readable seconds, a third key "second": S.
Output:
{"hour": 8, "minute": 1, "second": 43}
